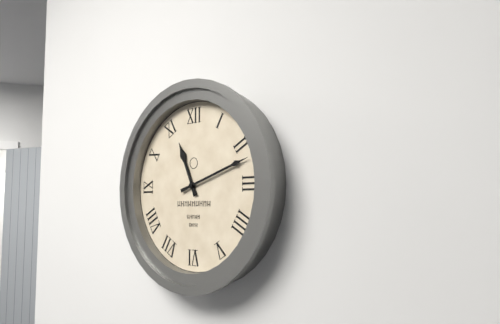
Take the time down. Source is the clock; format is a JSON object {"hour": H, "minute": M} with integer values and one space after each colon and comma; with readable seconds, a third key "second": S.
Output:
{"hour": 11, "minute": 12}
